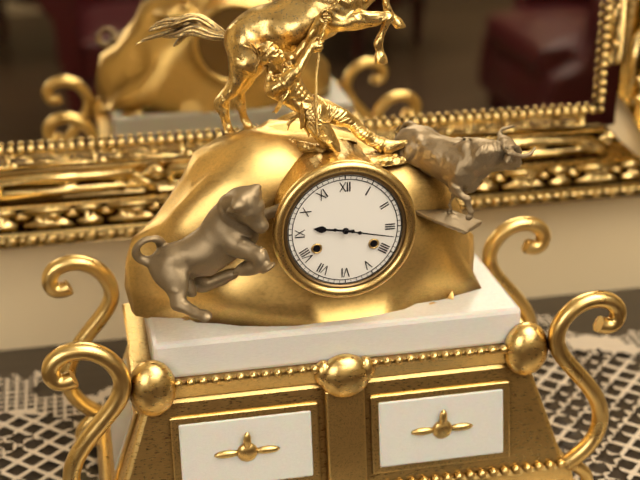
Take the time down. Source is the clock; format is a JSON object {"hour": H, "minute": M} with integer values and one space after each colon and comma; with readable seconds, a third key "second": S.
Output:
{"hour": 9, "minute": 17}
